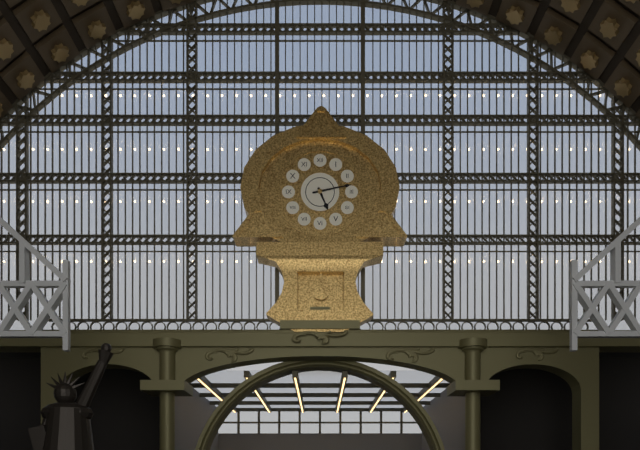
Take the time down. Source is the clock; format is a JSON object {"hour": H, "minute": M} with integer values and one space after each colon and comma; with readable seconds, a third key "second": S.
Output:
{"hour": 5, "minute": 13}
